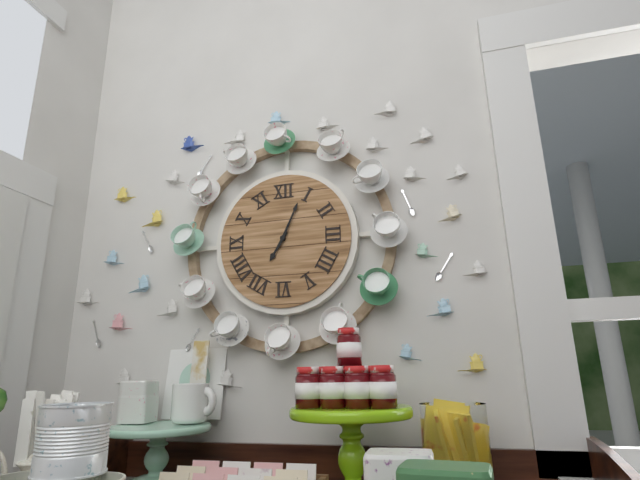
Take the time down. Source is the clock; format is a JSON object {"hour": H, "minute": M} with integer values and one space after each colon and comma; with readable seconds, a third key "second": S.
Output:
{"hour": 7, "minute": 4}
